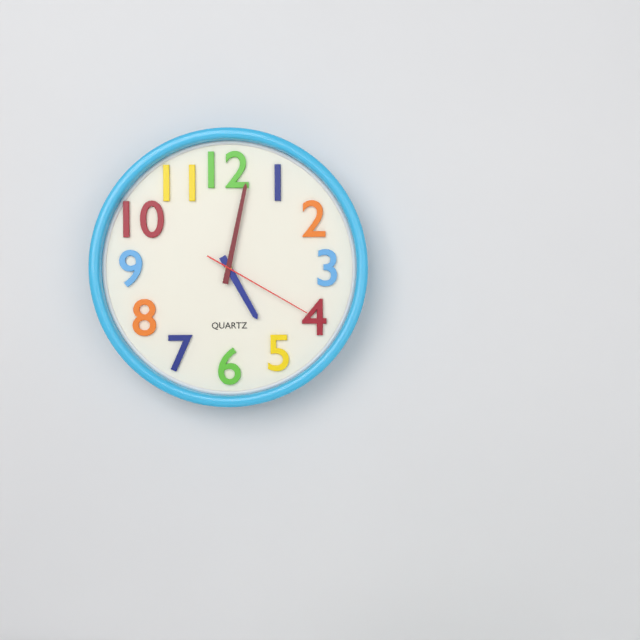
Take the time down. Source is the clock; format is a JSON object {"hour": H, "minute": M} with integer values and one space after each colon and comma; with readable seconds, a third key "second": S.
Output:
{"hour": 5, "minute": 2, "second": 20}
